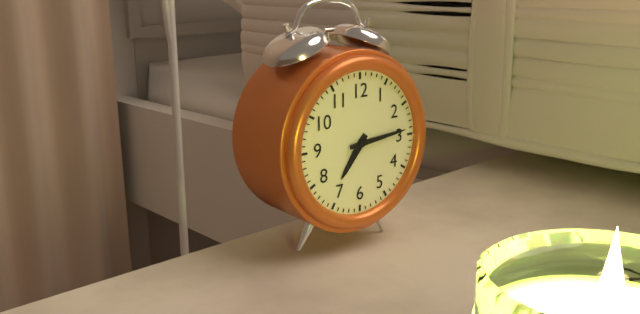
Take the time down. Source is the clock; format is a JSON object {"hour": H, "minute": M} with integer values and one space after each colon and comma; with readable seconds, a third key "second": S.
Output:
{"hour": 7, "minute": 14}
